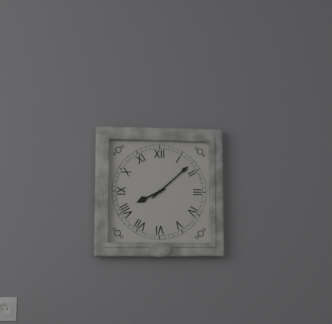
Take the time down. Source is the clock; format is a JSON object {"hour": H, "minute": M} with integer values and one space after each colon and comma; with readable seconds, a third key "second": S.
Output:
{"hour": 8, "minute": 8}
